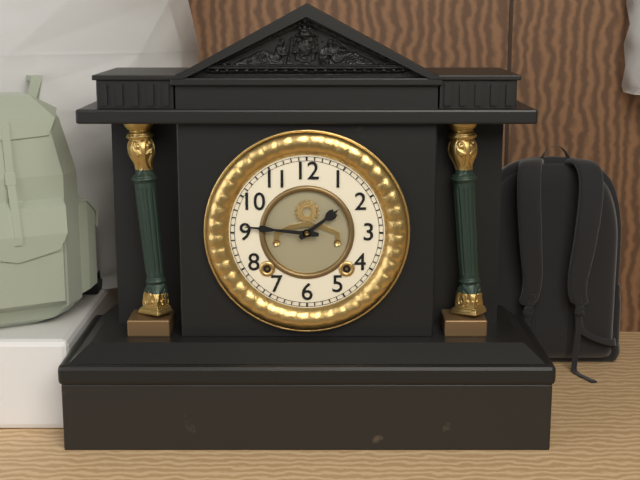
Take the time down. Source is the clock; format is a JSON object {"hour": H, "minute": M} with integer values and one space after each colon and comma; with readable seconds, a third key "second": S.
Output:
{"hour": 1, "minute": 46}
